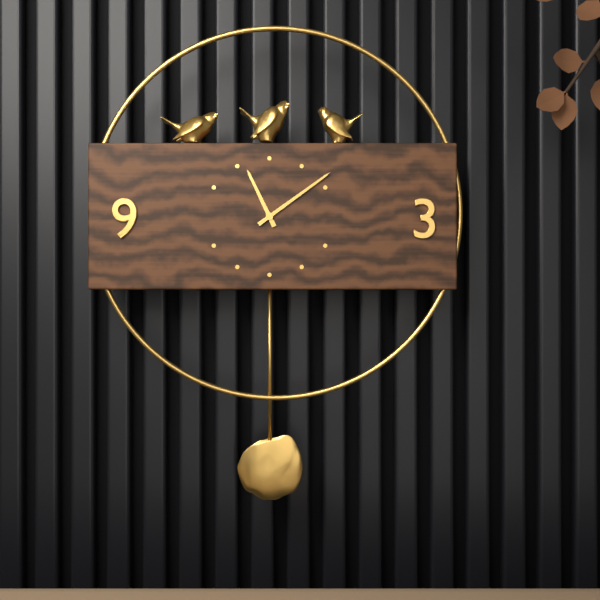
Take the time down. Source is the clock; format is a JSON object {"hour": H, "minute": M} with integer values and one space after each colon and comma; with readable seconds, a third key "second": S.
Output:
{"hour": 11, "minute": 9}
